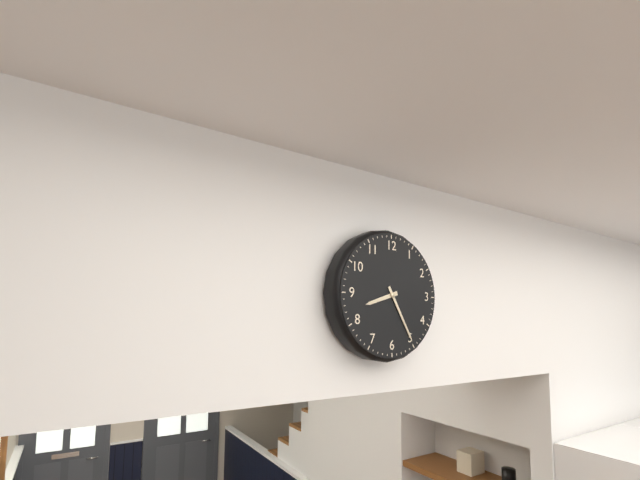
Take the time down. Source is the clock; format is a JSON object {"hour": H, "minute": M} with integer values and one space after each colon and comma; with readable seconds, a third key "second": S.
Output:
{"hour": 8, "minute": 25}
